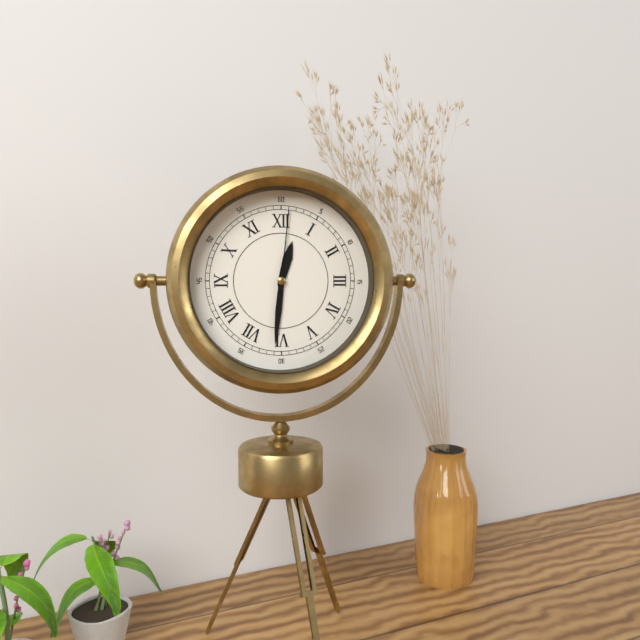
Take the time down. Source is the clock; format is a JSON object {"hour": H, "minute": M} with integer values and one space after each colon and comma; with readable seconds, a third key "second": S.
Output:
{"hour": 12, "minute": 31, "second": 1}
